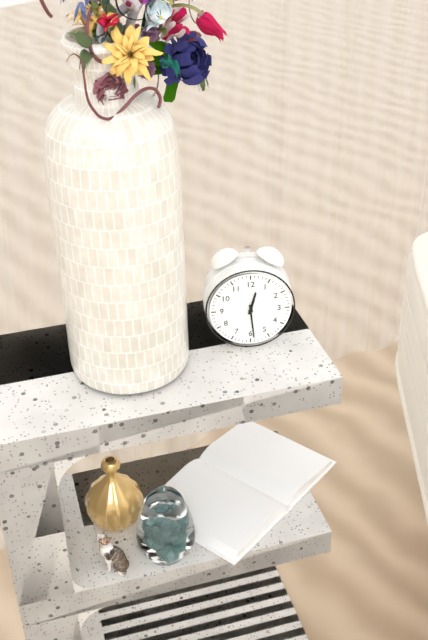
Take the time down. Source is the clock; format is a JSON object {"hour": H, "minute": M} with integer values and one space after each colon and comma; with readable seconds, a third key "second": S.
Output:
{"hour": 12, "minute": 29}
